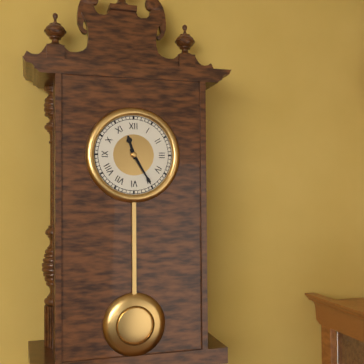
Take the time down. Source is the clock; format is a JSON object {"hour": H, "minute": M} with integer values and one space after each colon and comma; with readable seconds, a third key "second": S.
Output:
{"hour": 11, "minute": 25}
